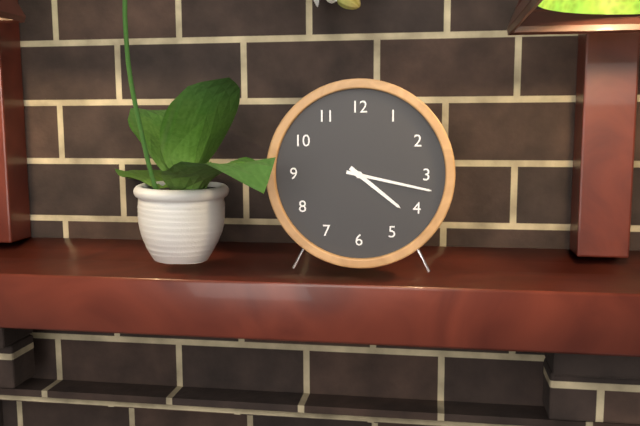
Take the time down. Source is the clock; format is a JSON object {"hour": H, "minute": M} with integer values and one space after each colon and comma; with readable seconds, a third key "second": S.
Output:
{"hour": 4, "minute": 17}
